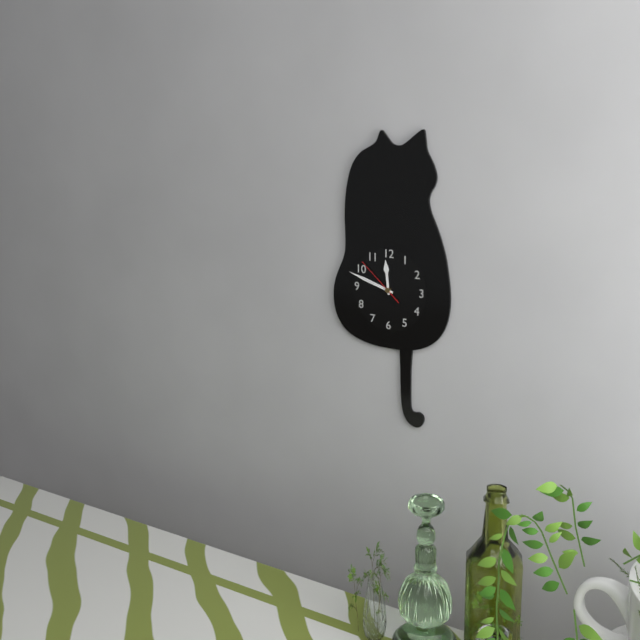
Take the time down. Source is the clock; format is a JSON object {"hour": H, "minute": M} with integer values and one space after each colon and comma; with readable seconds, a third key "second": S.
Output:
{"hour": 11, "minute": 48}
